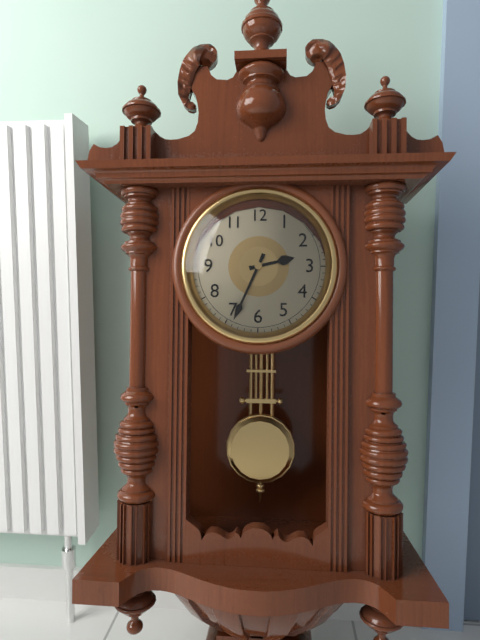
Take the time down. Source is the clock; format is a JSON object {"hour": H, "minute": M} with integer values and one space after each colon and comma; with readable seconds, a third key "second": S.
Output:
{"hour": 2, "minute": 34}
